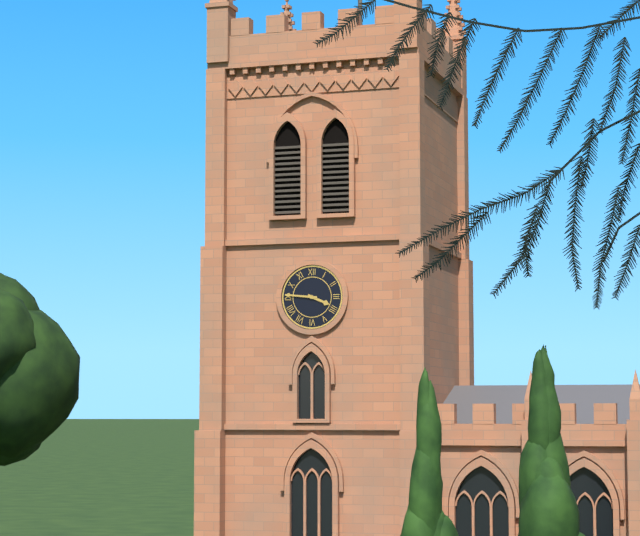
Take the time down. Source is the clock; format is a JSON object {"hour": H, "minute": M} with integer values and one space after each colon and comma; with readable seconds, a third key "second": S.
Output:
{"hour": 3, "minute": 46}
